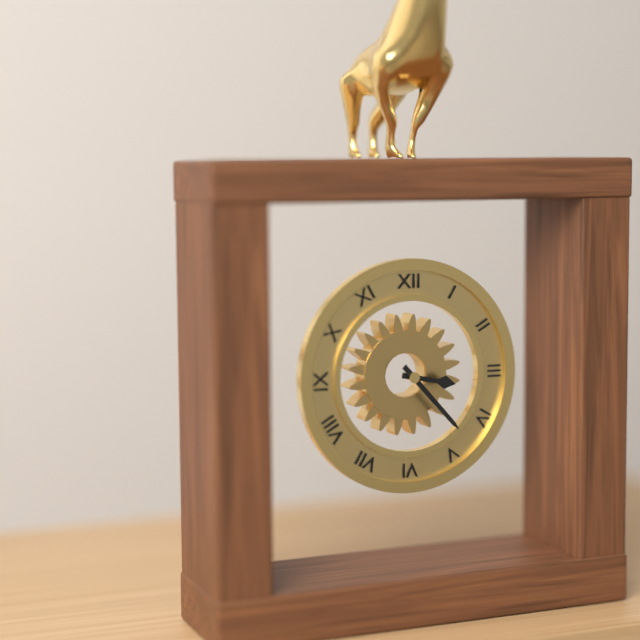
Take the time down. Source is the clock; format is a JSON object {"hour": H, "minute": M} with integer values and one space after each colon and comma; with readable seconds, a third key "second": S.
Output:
{"hour": 3, "minute": 23}
